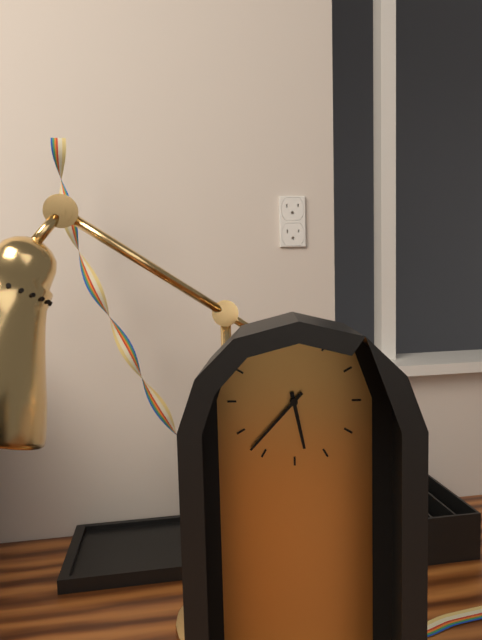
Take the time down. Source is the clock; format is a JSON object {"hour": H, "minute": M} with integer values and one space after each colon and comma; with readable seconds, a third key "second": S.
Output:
{"hour": 5, "minute": 37}
